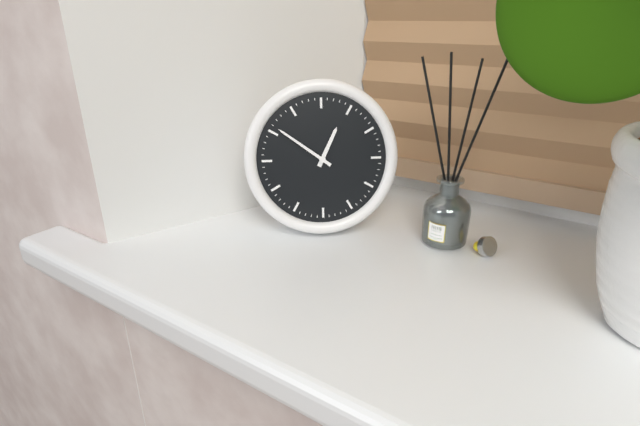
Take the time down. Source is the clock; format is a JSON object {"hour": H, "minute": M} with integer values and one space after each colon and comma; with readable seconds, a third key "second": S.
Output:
{"hour": 12, "minute": 51}
